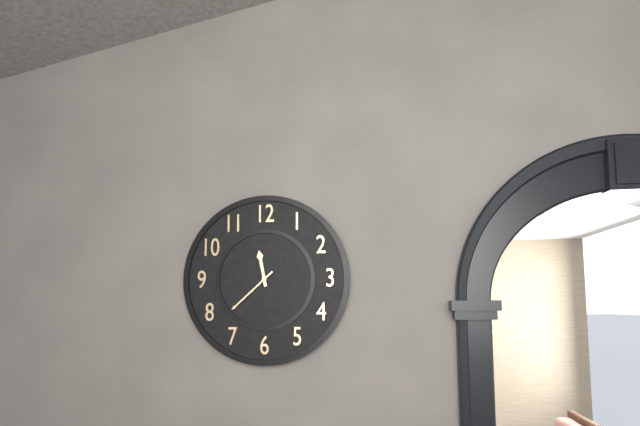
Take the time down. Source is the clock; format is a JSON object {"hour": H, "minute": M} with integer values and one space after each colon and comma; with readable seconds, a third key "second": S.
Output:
{"hour": 11, "minute": 38}
